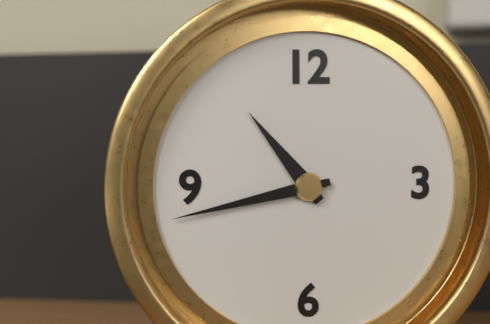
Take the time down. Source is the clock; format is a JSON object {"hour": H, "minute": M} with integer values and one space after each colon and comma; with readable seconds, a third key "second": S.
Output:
{"hour": 10, "minute": 43}
